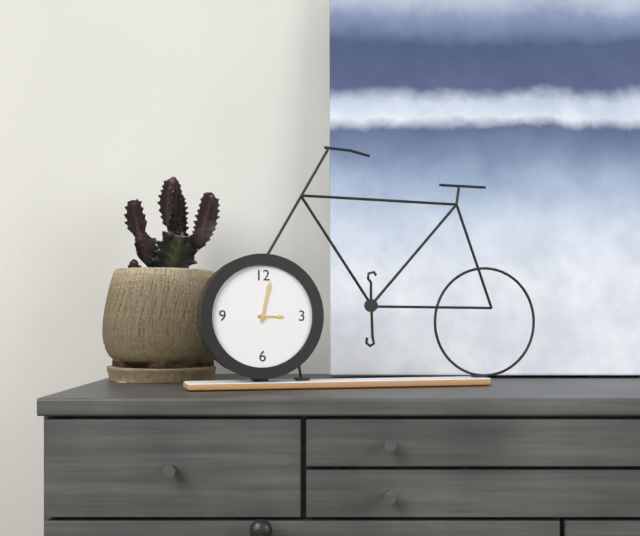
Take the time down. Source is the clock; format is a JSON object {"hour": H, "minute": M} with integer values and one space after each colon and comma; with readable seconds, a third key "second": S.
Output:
{"hour": 3, "minute": 2}
